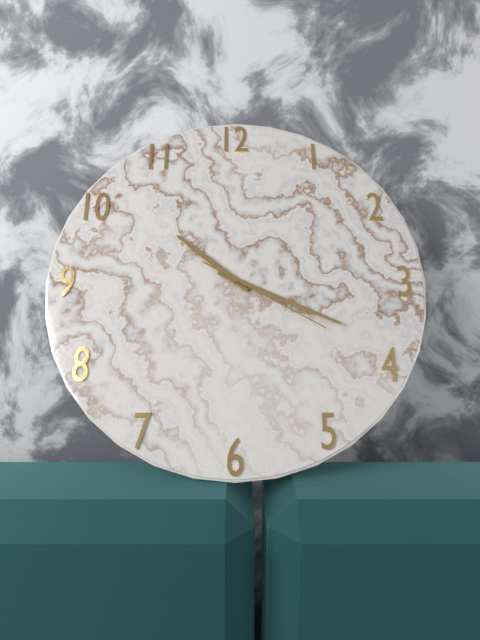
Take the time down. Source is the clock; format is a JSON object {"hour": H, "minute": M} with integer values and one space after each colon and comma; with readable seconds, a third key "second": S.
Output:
{"hour": 10, "minute": 19, "second": 20}
